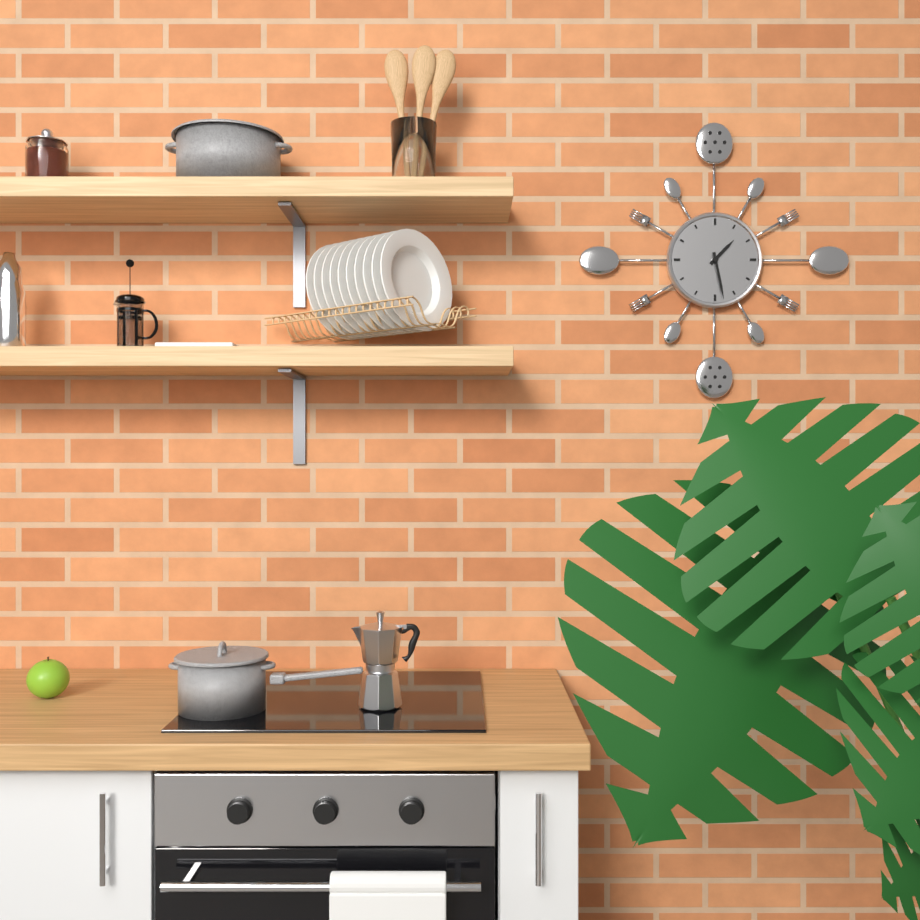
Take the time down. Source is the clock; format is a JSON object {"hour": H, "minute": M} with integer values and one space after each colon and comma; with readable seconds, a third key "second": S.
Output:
{"hour": 1, "minute": 28}
